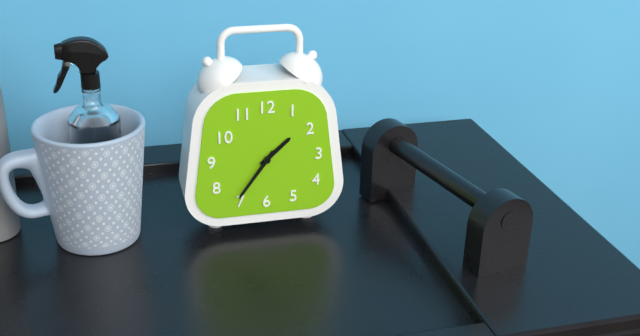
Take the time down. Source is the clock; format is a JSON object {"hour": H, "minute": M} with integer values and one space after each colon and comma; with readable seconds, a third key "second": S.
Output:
{"hour": 1, "minute": 36}
